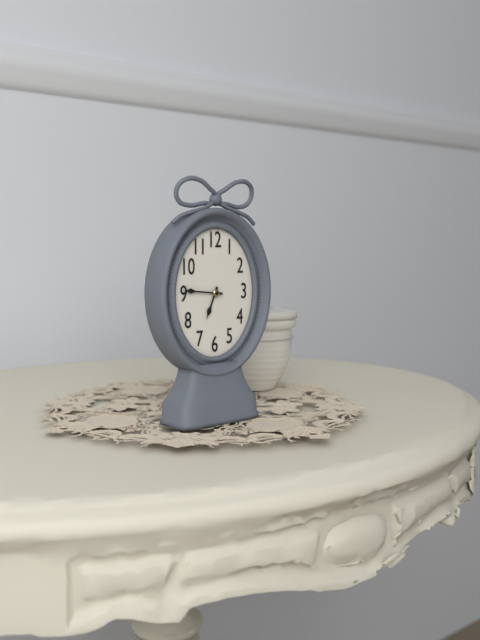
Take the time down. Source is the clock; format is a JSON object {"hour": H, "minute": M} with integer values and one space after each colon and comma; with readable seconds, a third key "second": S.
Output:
{"hour": 6, "minute": 46}
